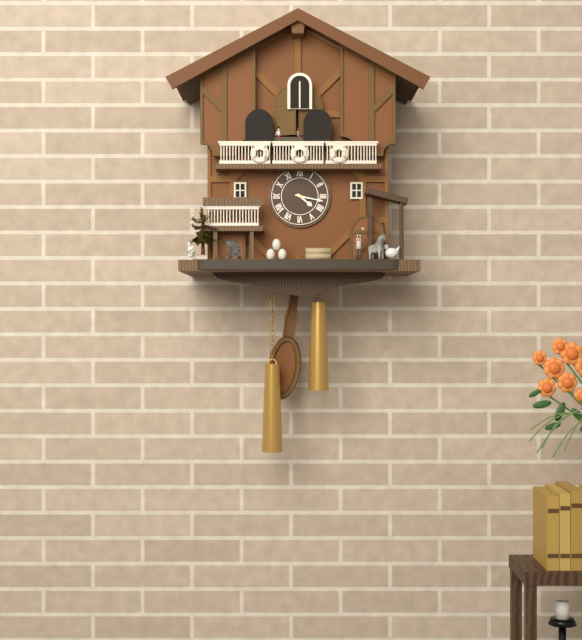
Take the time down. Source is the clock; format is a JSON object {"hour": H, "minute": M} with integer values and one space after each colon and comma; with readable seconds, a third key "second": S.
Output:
{"hour": 4, "minute": 17}
